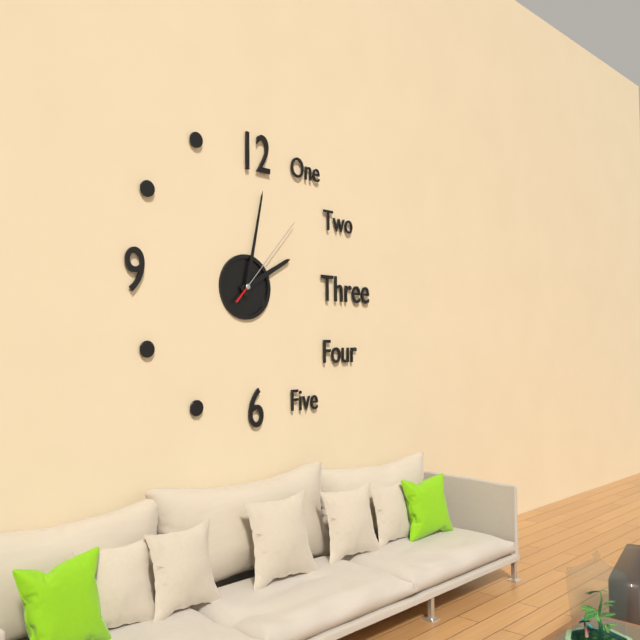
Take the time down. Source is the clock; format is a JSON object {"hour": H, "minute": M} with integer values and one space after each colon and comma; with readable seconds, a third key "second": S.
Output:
{"hour": 2, "minute": 2, "second": 7}
